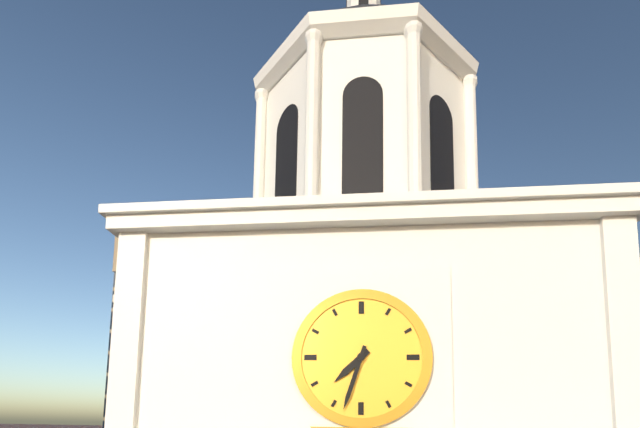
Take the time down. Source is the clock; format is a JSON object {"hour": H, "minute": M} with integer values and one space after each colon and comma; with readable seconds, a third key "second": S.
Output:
{"hour": 7, "minute": 33}
